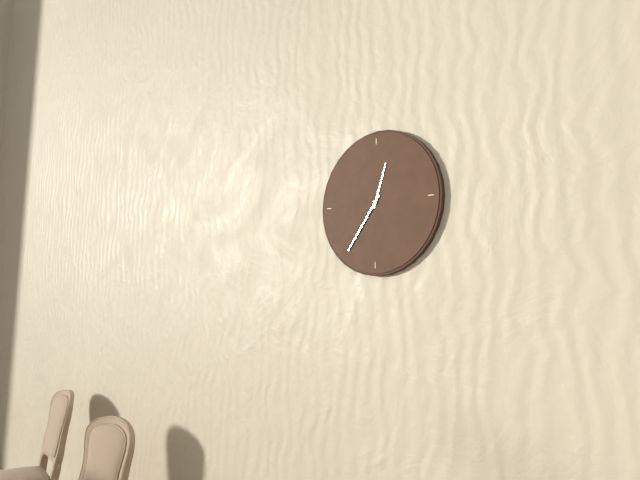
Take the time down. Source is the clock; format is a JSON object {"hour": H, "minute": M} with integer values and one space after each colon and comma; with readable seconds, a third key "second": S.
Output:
{"hour": 12, "minute": 36}
